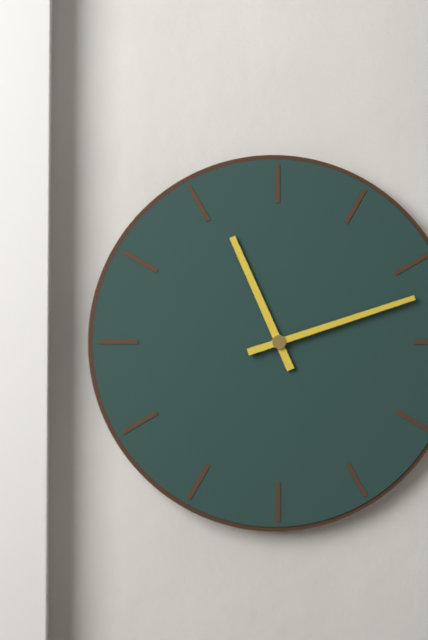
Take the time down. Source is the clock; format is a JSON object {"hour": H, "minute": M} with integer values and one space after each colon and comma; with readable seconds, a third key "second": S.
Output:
{"hour": 11, "minute": 12}
